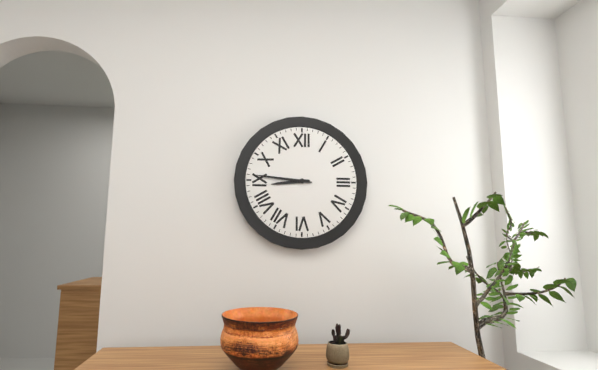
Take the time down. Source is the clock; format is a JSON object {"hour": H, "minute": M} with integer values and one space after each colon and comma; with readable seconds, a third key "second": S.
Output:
{"hour": 8, "minute": 46}
